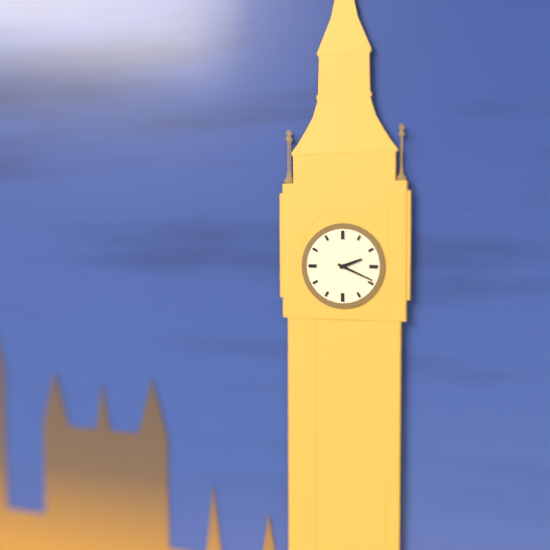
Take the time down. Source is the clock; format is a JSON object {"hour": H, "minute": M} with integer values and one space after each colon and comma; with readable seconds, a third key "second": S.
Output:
{"hour": 2, "minute": 19}
